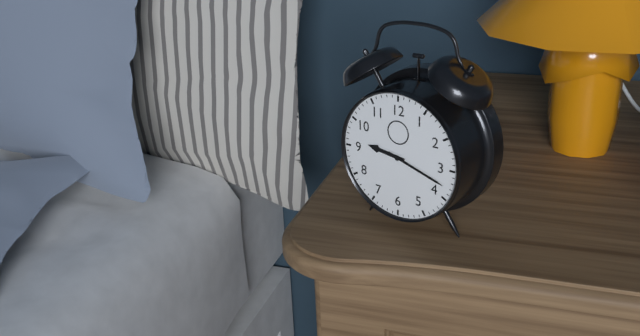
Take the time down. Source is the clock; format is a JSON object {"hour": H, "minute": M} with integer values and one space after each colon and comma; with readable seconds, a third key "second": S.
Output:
{"hour": 9, "minute": 18}
